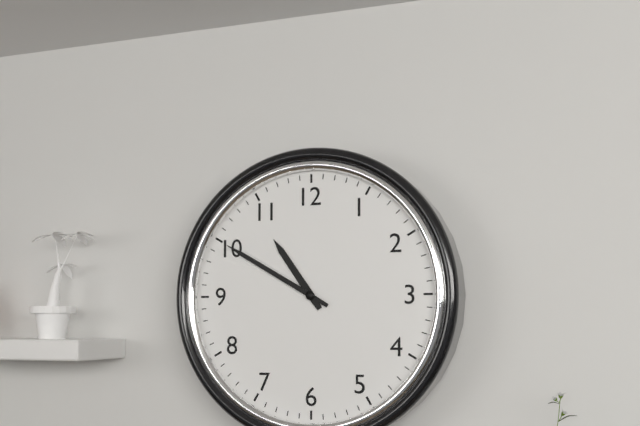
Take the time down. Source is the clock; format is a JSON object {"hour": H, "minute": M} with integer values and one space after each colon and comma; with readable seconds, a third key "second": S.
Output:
{"hour": 10, "minute": 50}
